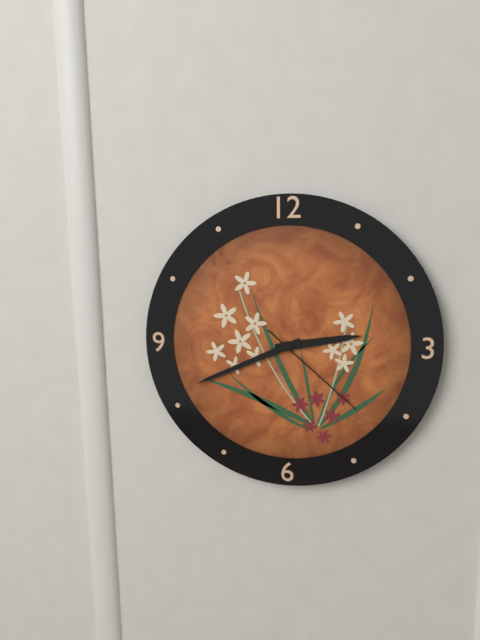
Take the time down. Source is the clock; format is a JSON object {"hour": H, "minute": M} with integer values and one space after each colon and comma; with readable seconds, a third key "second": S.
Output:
{"hour": 2, "minute": 41, "second": 22}
